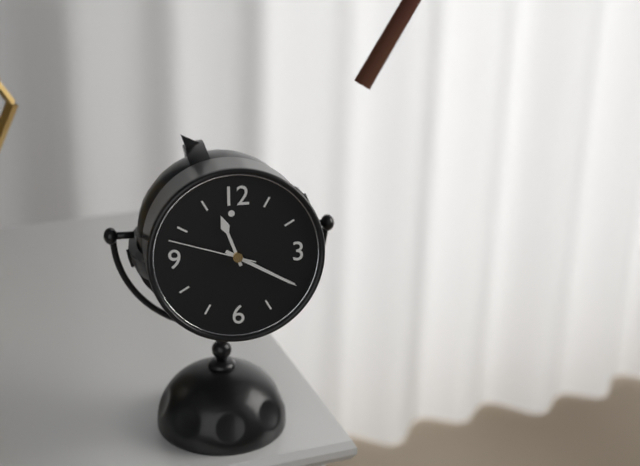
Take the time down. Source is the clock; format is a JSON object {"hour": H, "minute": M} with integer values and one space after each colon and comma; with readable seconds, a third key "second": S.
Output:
{"hour": 11, "minute": 20, "second": 48}
